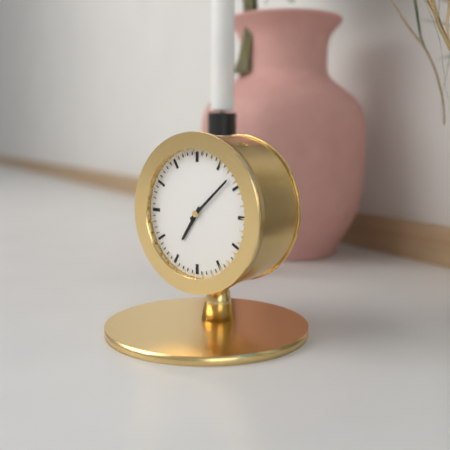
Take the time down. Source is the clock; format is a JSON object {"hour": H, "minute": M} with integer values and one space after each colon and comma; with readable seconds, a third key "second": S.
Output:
{"hour": 7, "minute": 8}
